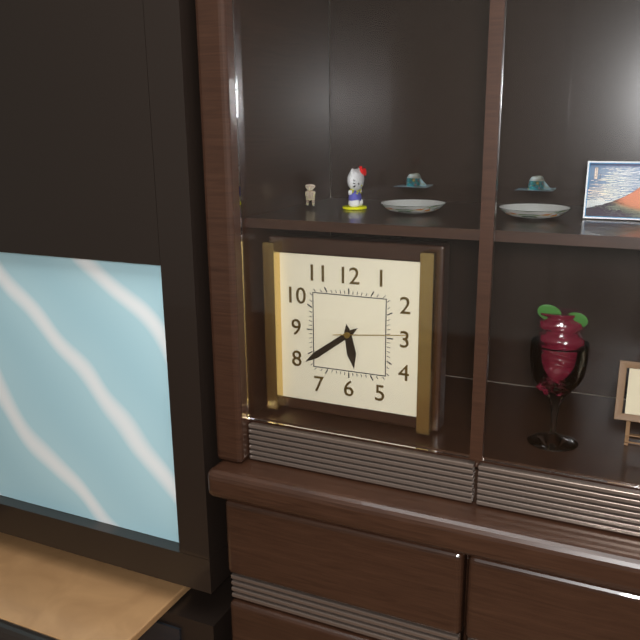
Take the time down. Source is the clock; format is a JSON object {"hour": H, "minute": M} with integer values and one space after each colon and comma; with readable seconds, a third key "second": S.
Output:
{"hour": 5, "minute": 39, "second": 14}
